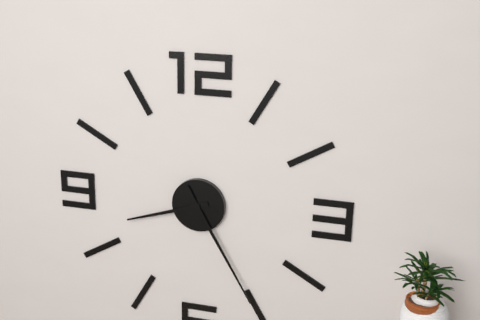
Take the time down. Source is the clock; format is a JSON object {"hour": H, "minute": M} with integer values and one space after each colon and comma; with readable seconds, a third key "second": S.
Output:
{"hour": 8, "minute": 25}
